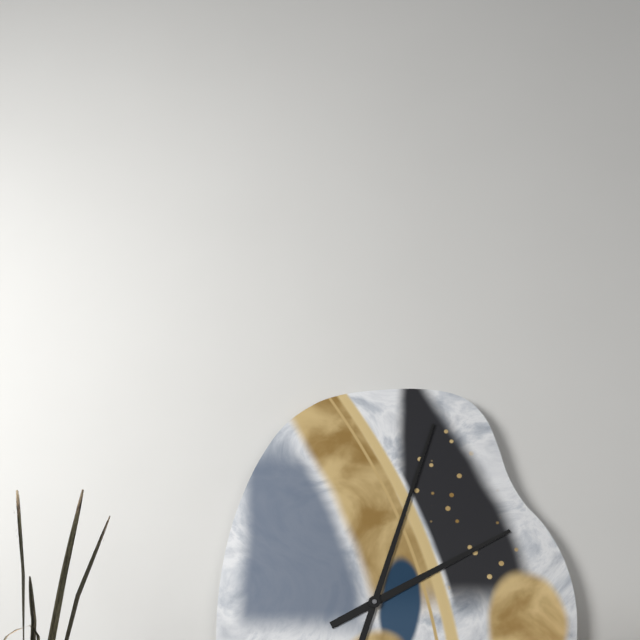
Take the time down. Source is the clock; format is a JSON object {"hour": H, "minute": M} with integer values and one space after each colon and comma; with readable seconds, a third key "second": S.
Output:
{"hour": 2, "minute": 3}
